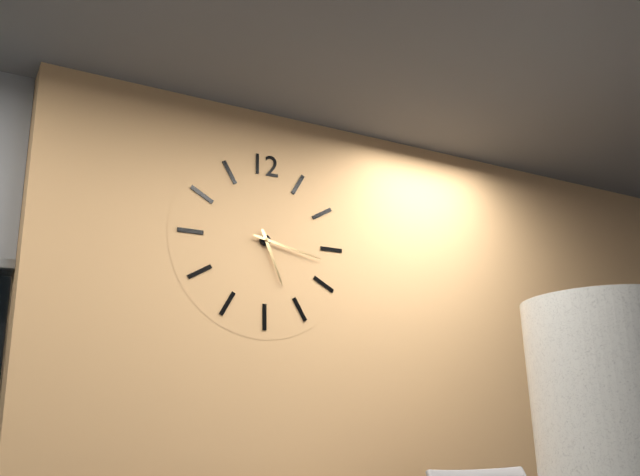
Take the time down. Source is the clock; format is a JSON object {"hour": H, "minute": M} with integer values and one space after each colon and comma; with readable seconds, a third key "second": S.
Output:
{"hour": 5, "minute": 17}
